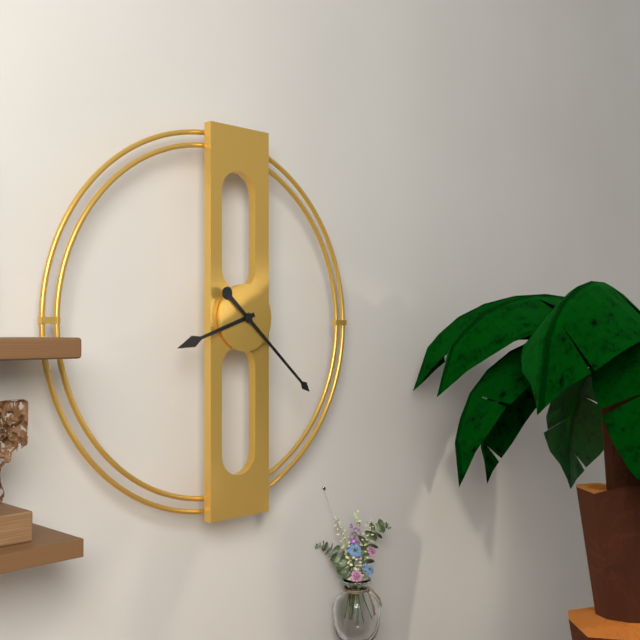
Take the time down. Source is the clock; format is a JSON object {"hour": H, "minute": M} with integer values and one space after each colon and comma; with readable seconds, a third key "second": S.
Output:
{"hour": 8, "minute": 22}
